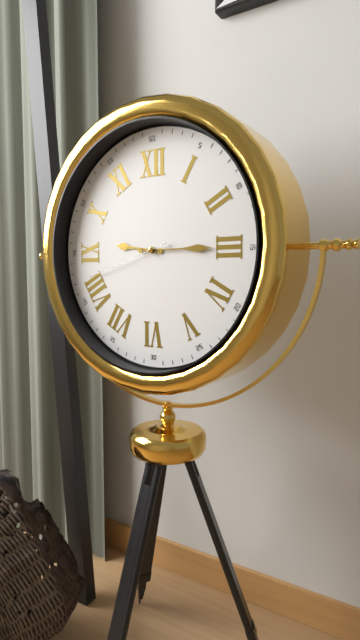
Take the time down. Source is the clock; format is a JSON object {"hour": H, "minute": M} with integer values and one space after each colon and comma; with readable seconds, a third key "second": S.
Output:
{"hour": 9, "minute": 15, "second": 42}
